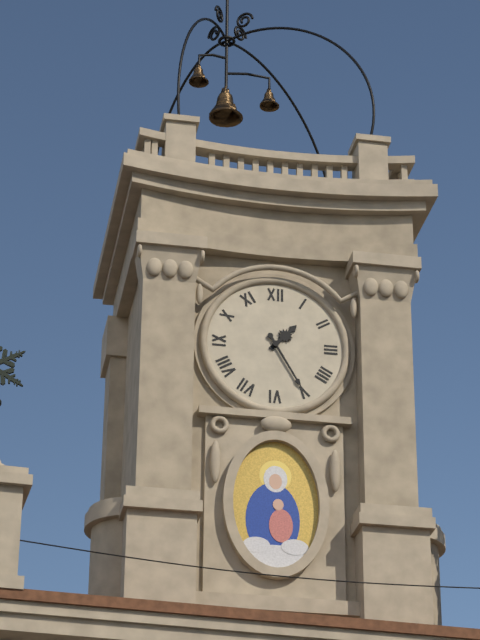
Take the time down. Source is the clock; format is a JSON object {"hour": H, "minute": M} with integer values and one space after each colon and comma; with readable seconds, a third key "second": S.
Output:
{"hour": 1, "minute": 25}
